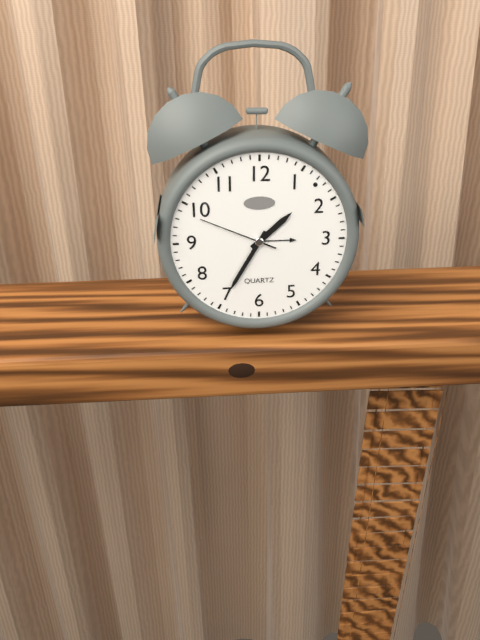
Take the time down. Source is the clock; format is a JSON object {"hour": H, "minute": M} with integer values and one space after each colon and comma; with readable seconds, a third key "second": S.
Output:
{"hour": 1, "minute": 35, "second": 49}
